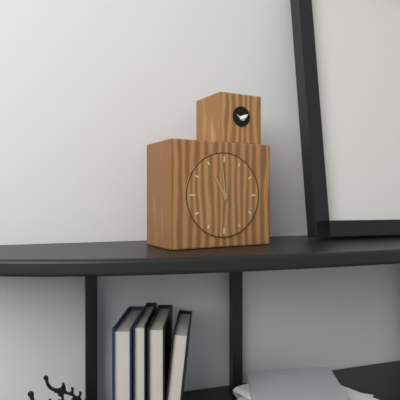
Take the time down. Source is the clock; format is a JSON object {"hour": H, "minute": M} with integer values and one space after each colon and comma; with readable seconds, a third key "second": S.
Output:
{"hour": 10, "minute": 59}
